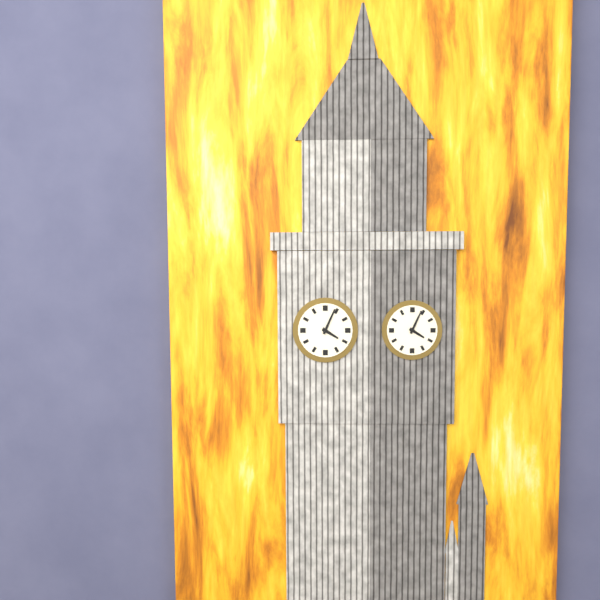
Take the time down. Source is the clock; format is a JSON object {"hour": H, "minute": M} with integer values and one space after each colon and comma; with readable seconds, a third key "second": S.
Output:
{"hour": 4, "minute": 4}
